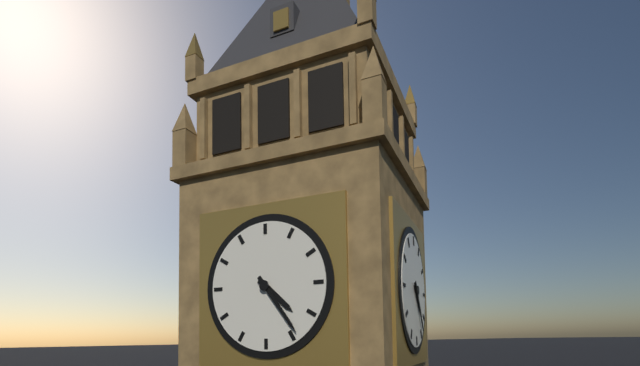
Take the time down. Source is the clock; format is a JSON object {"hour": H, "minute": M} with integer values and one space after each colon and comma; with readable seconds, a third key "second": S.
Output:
{"hour": 4, "minute": 24}
